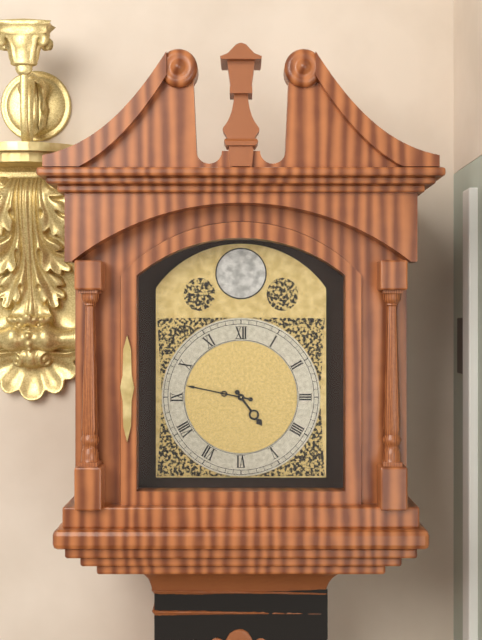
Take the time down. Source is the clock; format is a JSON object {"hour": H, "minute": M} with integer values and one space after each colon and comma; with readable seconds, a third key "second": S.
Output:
{"hour": 4, "minute": 47}
